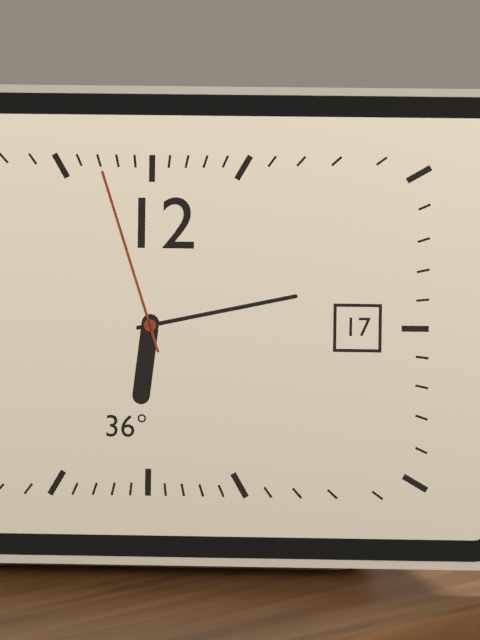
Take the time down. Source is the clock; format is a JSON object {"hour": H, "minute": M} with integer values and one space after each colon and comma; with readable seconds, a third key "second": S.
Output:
{"hour": 6, "minute": 13, "second": 57}
